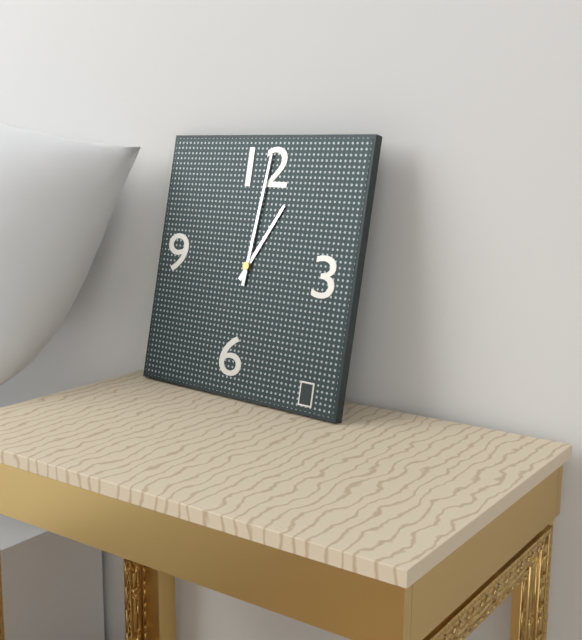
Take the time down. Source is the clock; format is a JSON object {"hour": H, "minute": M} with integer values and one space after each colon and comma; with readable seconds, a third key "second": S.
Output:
{"hour": 1, "minute": 1}
